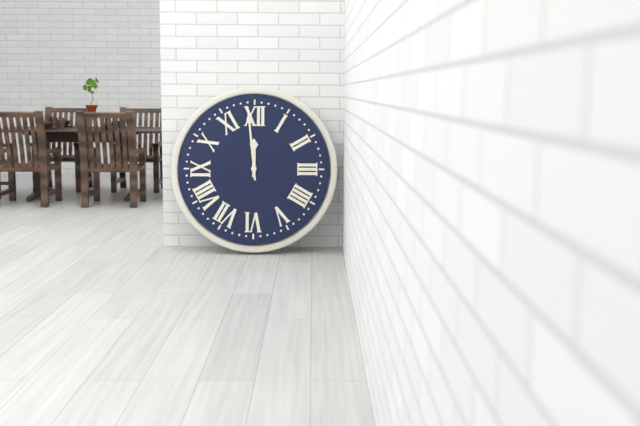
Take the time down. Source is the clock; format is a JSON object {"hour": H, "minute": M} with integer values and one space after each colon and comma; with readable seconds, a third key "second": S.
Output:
{"hour": 11, "minute": 59}
